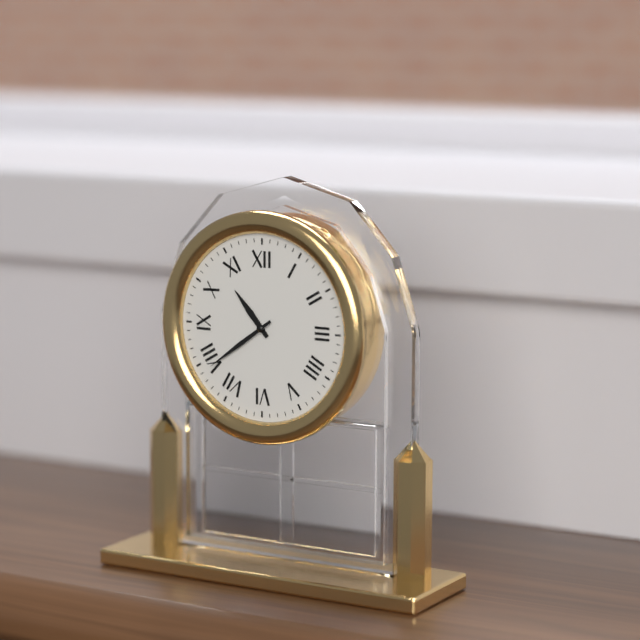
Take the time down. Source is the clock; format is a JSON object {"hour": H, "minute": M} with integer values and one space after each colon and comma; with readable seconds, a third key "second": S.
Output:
{"hour": 10, "minute": 39}
